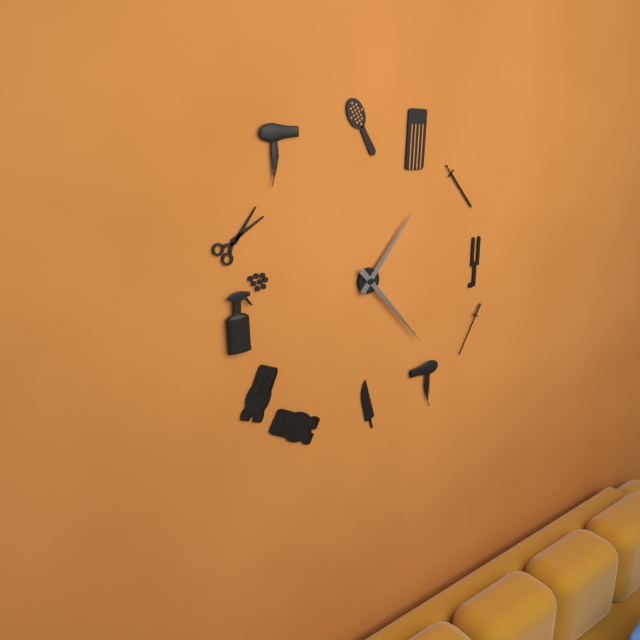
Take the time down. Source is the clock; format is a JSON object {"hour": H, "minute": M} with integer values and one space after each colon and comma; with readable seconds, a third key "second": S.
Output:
{"hour": 1, "minute": 23}
